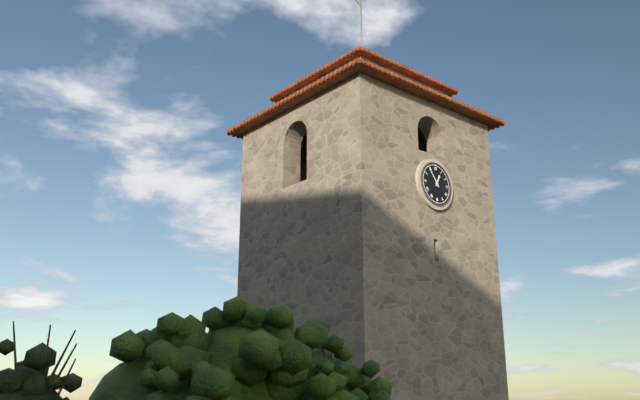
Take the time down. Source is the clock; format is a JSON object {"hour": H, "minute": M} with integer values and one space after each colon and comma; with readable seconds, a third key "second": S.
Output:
{"hour": 12, "minute": 54}
